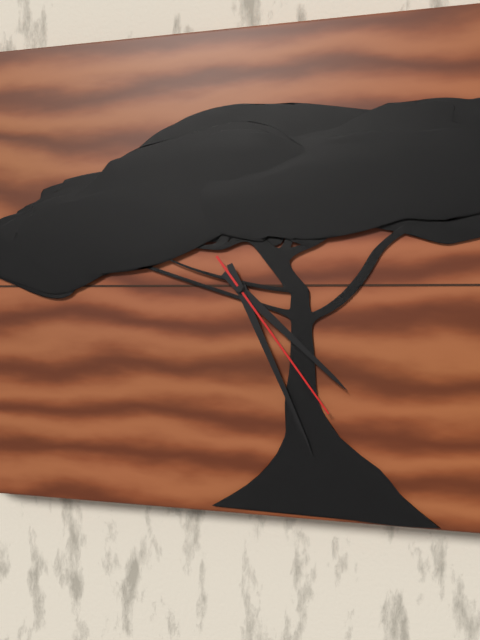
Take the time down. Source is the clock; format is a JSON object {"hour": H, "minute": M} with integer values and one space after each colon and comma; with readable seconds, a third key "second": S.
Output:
{"hour": 4, "minute": 26, "second": 24}
